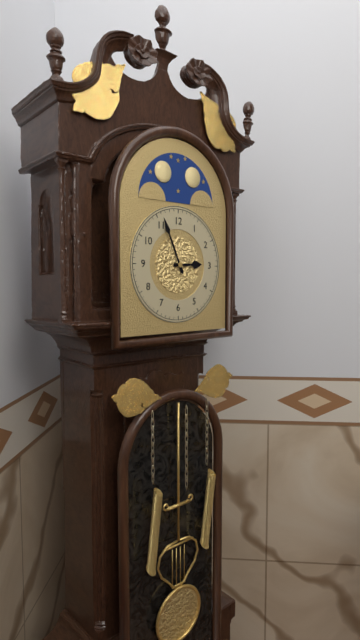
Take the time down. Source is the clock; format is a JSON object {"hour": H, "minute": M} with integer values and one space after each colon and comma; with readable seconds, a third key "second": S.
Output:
{"hour": 2, "minute": 56}
